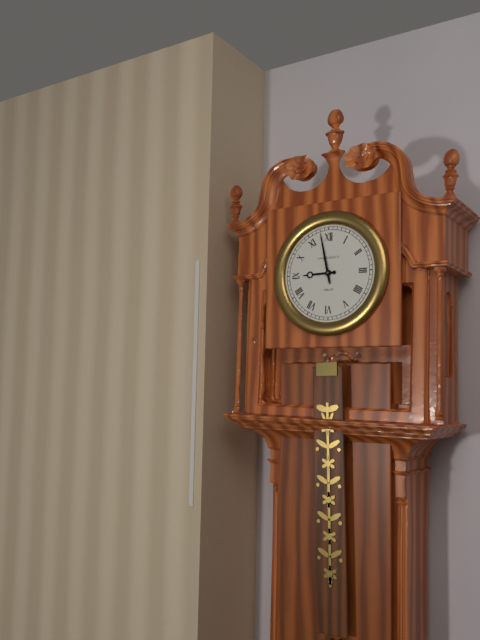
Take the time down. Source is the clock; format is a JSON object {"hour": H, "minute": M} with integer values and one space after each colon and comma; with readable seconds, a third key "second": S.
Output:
{"hour": 8, "minute": 58}
